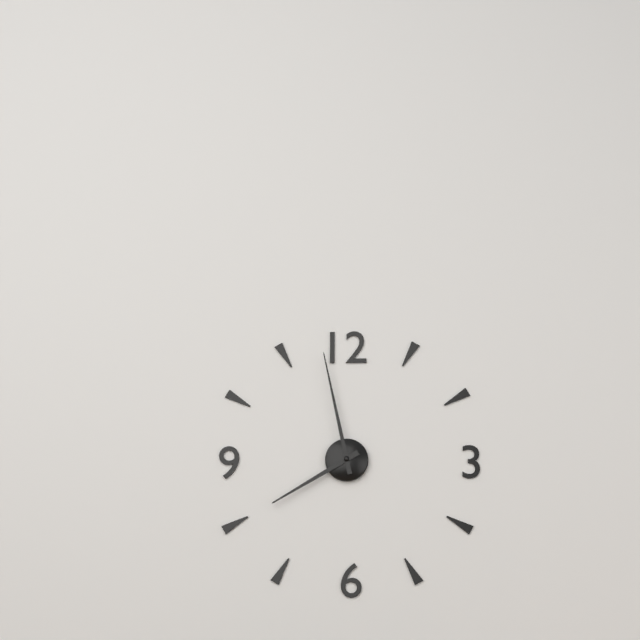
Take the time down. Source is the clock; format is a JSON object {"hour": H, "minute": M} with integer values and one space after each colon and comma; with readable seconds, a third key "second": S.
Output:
{"hour": 7, "minute": 58}
